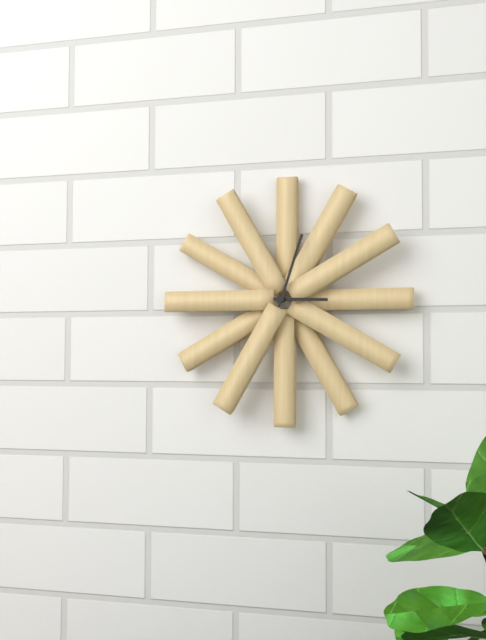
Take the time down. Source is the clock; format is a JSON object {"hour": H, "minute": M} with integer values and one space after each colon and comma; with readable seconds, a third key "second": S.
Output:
{"hour": 3, "minute": 3}
